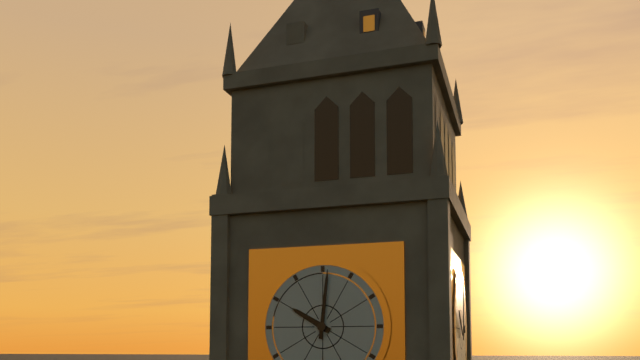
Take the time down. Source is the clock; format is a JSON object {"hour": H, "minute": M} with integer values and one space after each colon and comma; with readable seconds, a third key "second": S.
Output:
{"hour": 10, "minute": 1}
